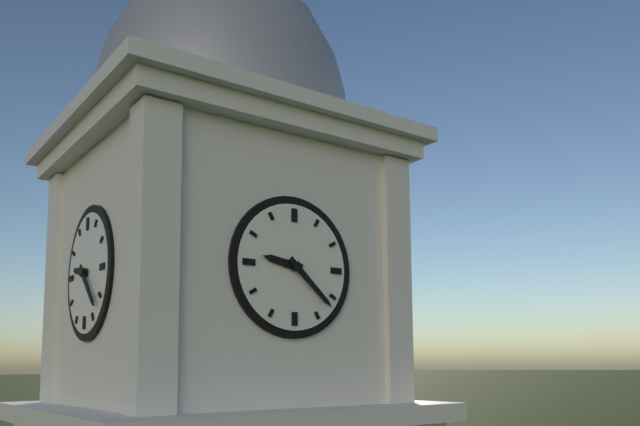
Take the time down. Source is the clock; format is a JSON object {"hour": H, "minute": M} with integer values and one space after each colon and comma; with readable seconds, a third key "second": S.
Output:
{"hour": 9, "minute": 22}
